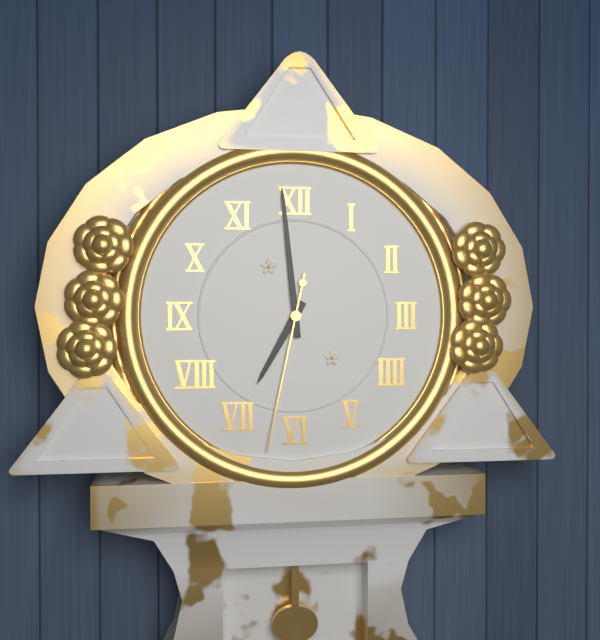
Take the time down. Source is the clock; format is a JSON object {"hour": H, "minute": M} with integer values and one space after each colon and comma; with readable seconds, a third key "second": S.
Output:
{"hour": 6, "minute": 59, "second": 32}
